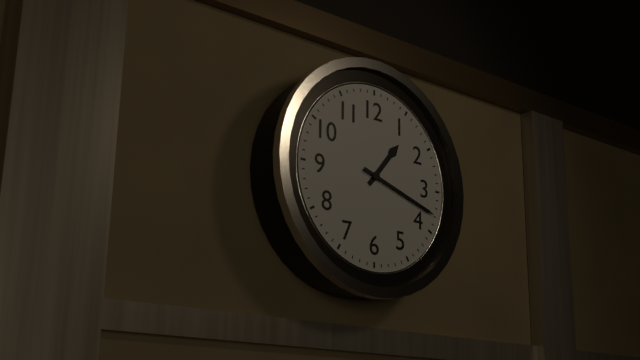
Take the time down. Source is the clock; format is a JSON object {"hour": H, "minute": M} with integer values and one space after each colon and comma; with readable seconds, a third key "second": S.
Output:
{"hour": 1, "minute": 18}
